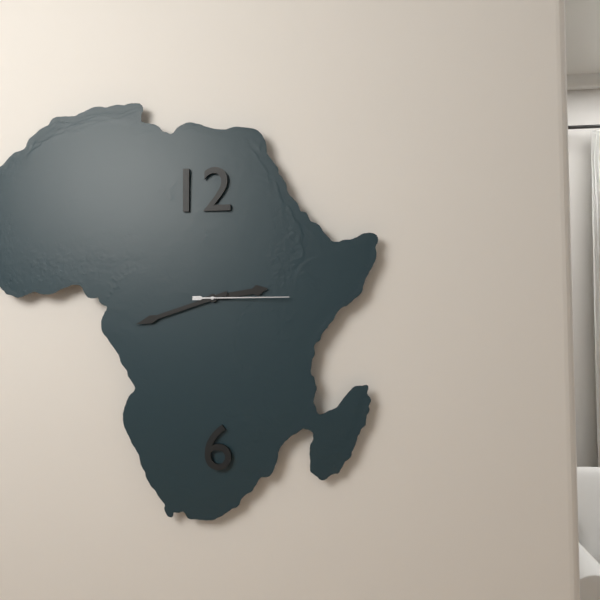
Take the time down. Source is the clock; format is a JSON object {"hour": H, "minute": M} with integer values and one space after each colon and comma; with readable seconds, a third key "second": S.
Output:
{"hour": 2, "minute": 42, "second": 15}
